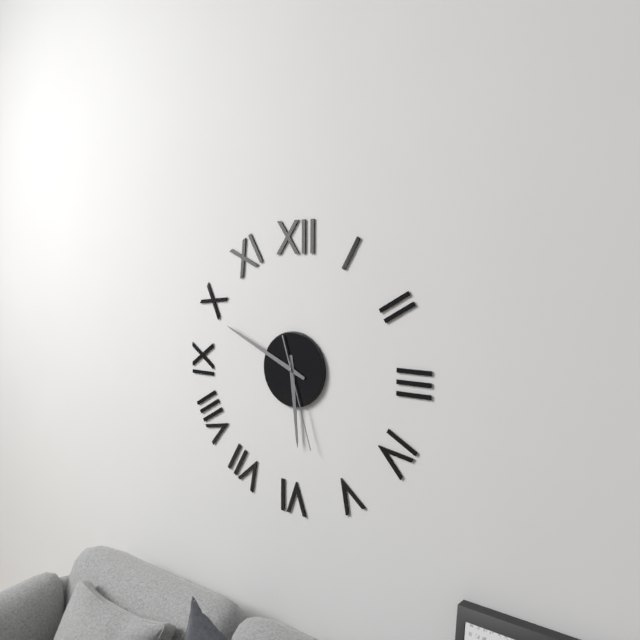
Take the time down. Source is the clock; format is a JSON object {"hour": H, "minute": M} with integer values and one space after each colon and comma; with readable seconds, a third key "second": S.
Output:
{"hour": 5, "minute": 49, "second": 27}
